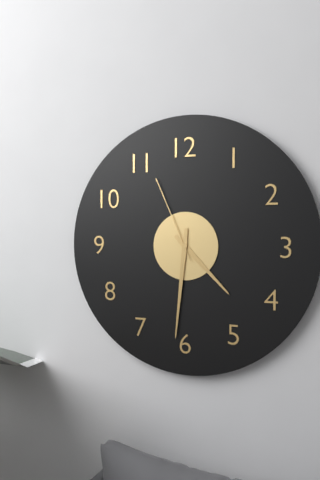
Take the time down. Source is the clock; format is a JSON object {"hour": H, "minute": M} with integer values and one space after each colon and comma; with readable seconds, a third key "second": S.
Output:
{"hour": 4, "minute": 31, "second": 56}
